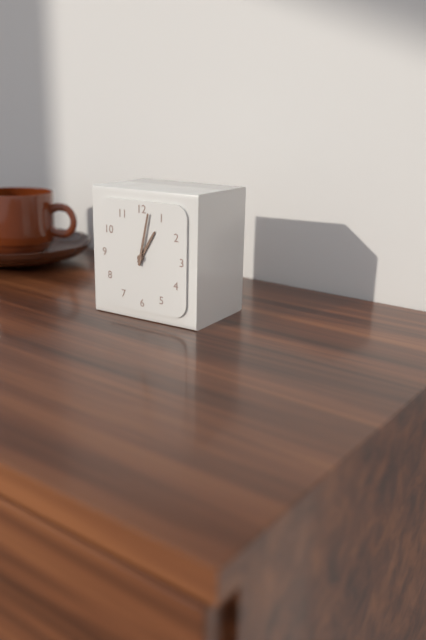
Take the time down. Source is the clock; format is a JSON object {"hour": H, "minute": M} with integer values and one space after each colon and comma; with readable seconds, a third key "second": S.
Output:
{"hour": 1, "minute": 2}
